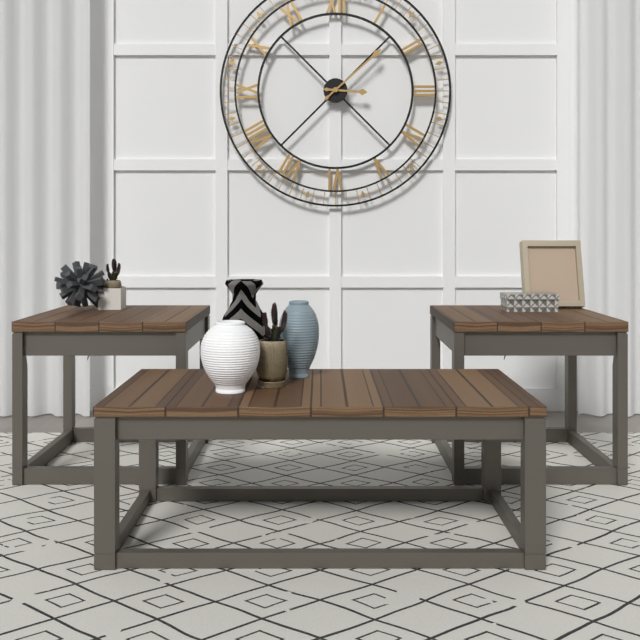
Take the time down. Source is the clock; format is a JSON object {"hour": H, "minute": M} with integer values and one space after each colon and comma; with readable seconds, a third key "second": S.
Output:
{"hour": 3, "minute": 8}
